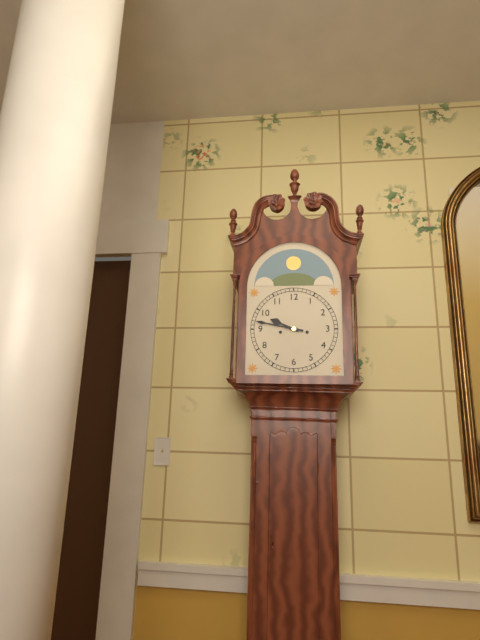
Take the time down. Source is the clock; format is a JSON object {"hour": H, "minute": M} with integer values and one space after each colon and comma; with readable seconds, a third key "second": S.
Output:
{"hour": 9, "minute": 47}
